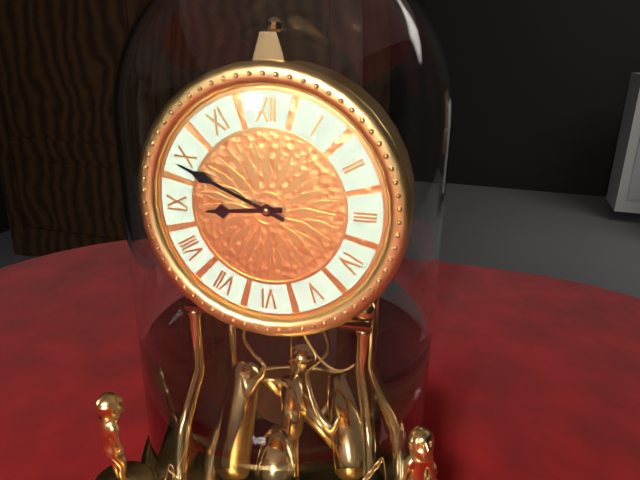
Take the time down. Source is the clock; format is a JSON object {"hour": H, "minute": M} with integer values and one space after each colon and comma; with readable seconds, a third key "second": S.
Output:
{"hour": 8, "minute": 49}
